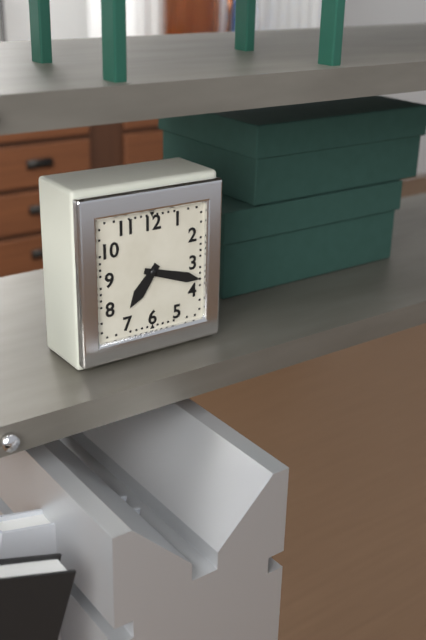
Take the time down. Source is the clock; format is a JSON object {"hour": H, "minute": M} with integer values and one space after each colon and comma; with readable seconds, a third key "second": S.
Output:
{"hour": 7, "minute": 18}
